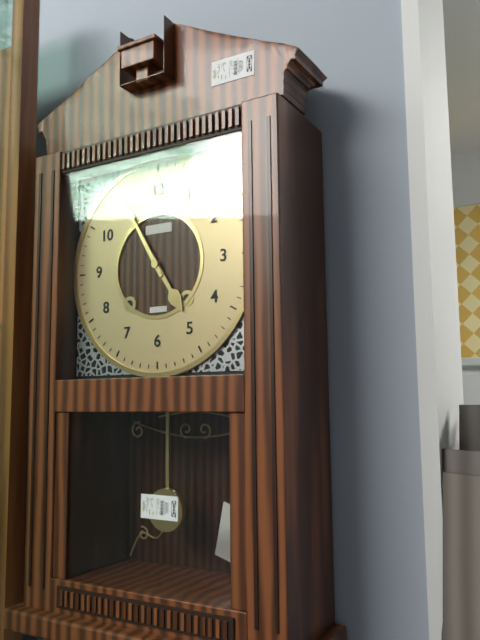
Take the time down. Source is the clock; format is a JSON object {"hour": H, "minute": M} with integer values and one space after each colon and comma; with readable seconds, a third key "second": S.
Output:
{"hour": 4, "minute": 55}
